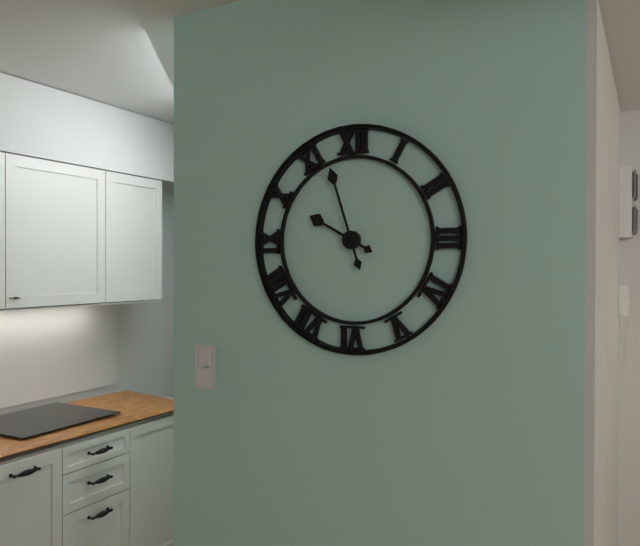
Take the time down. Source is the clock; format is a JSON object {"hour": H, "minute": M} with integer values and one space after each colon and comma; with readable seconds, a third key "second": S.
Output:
{"hour": 9, "minute": 57}
